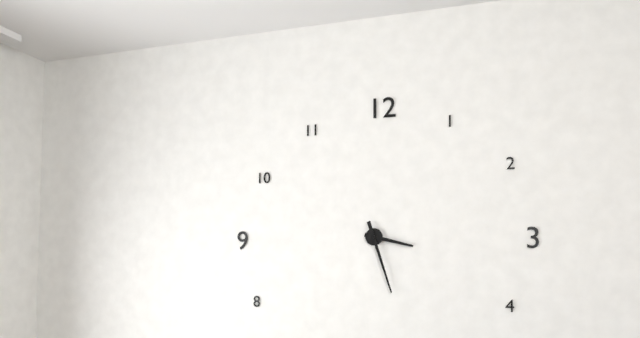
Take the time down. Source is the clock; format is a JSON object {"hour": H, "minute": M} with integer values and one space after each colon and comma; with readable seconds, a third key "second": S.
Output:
{"hour": 3, "minute": 27}
